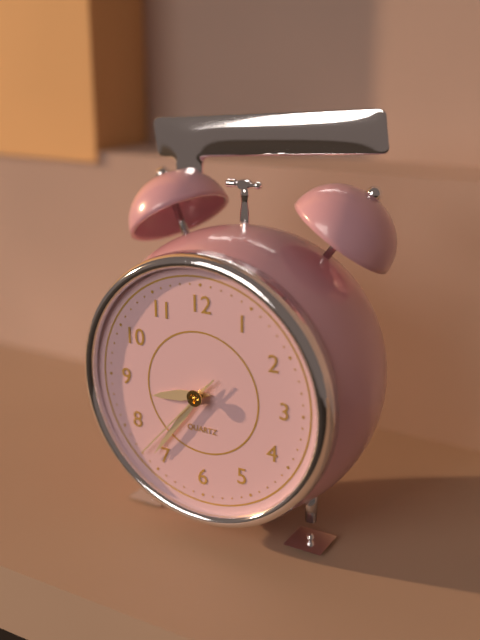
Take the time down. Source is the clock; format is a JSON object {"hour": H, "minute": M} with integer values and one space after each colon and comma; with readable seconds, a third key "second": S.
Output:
{"hour": 8, "minute": 36, "second": 37}
